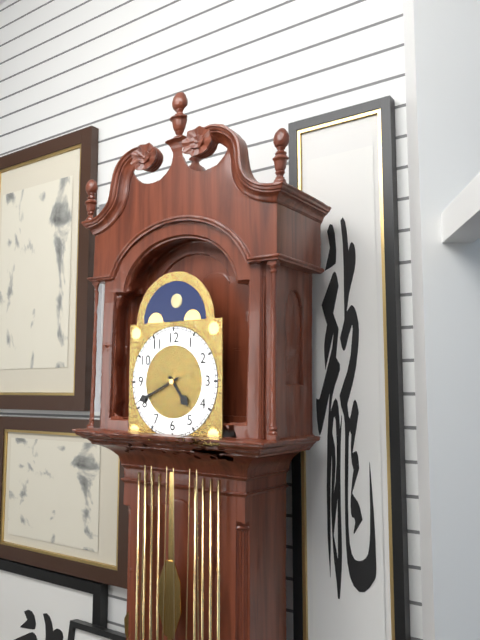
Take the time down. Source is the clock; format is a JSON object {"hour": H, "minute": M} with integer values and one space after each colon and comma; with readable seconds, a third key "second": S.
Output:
{"hour": 4, "minute": 41}
